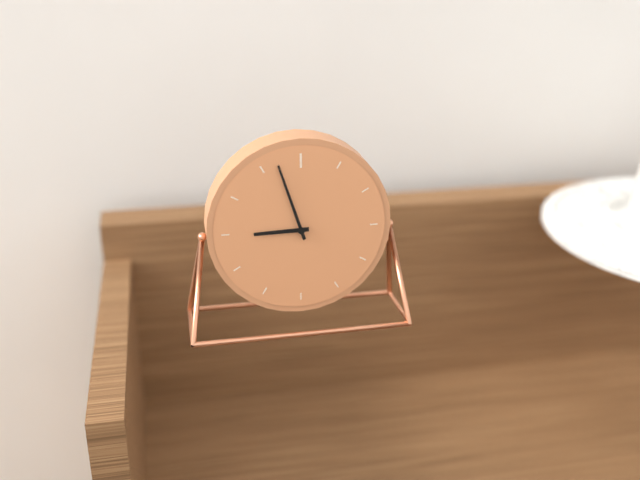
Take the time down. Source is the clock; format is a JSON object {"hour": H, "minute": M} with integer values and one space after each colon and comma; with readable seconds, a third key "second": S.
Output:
{"hour": 8, "minute": 57}
